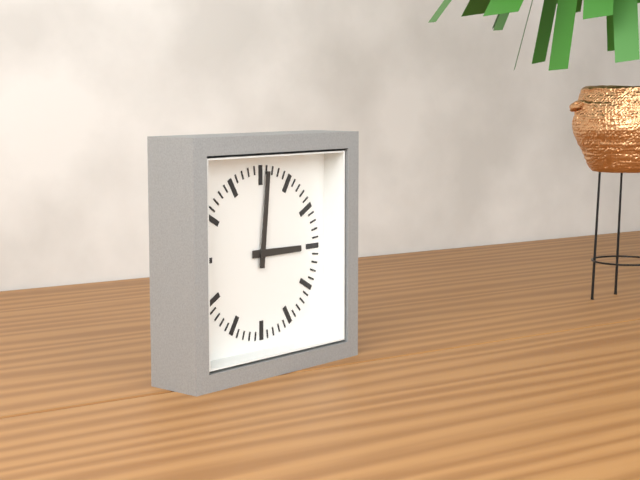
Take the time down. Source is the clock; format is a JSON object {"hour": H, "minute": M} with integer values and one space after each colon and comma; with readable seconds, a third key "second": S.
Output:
{"hour": 3, "minute": 1}
